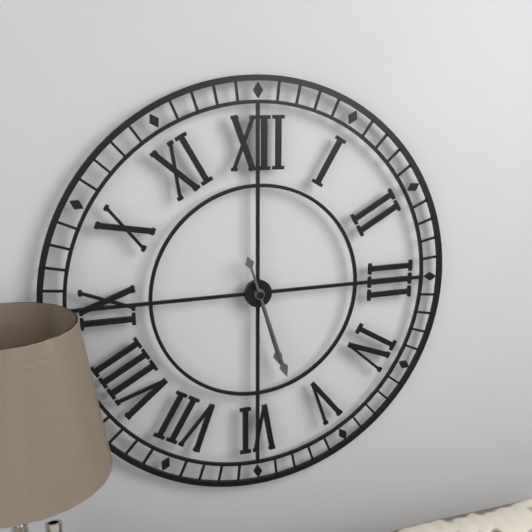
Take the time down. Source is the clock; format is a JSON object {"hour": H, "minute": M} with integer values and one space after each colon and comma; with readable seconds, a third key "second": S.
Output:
{"hour": 5, "minute": 27}
